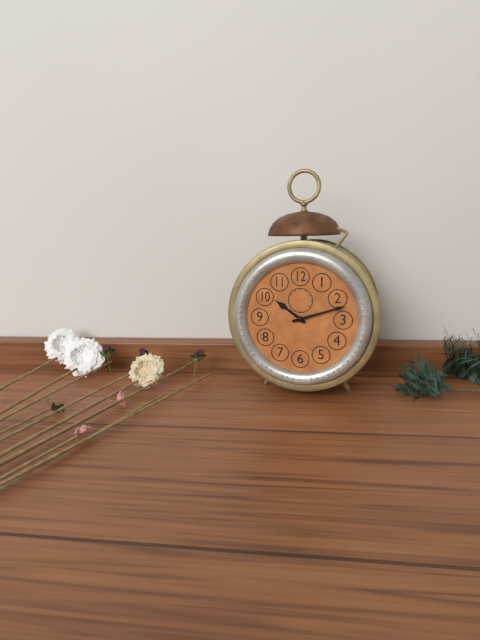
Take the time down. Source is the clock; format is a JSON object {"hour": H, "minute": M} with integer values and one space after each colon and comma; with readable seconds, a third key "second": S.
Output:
{"hour": 10, "minute": 12}
